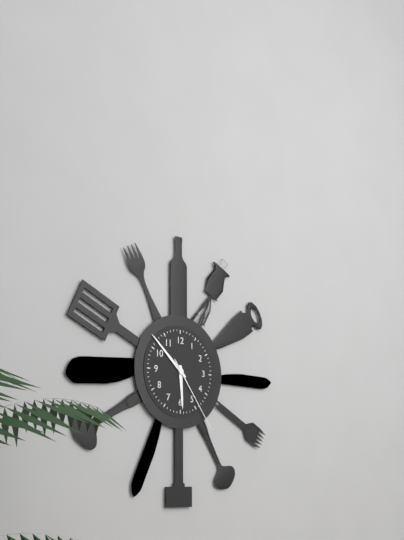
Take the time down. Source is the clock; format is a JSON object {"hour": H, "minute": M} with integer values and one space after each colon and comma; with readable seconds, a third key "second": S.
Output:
{"hour": 5, "minute": 52, "second": 24}
